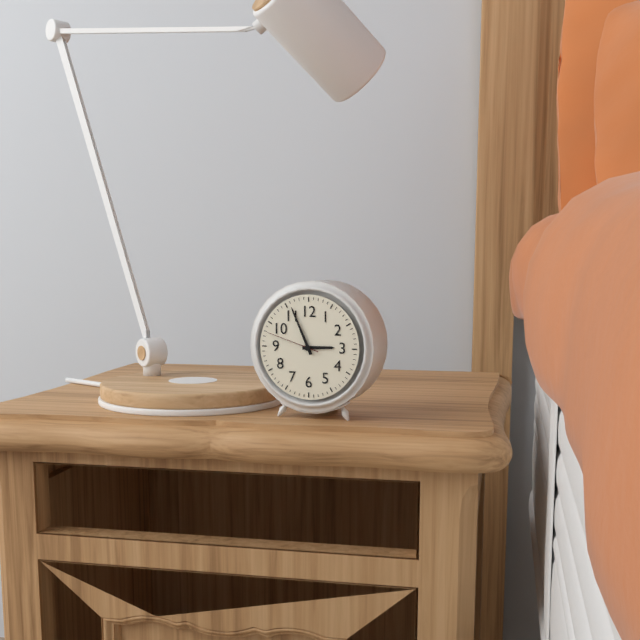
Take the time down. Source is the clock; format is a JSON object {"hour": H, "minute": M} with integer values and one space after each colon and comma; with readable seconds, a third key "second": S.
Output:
{"hour": 2, "minute": 56, "second": 48}
